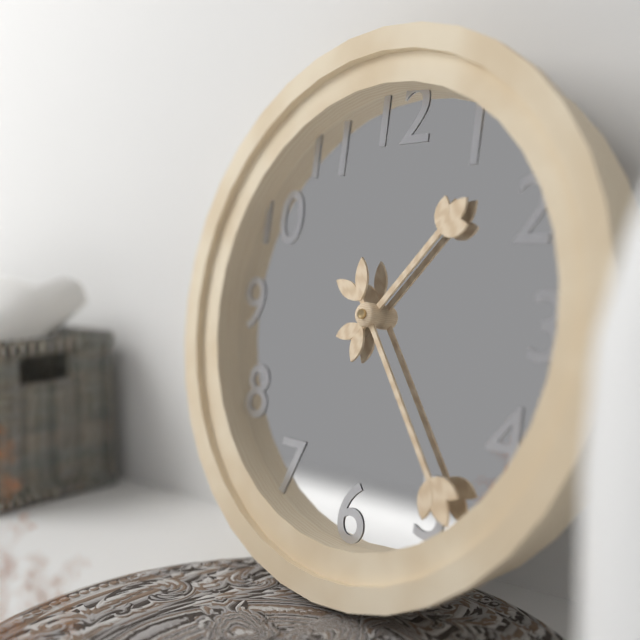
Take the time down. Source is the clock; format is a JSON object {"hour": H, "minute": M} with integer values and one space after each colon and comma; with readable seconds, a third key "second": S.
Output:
{"hour": 1, "minute": 24}
